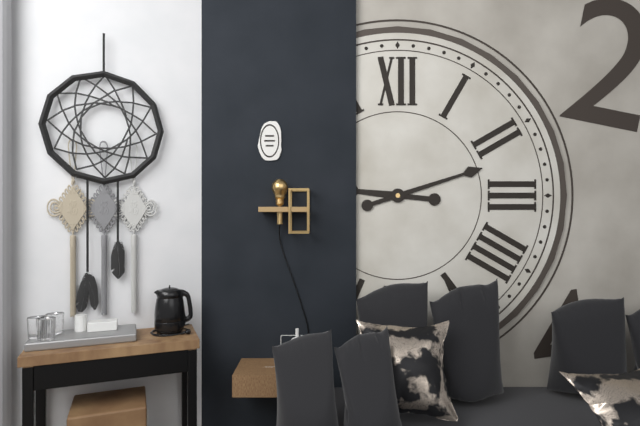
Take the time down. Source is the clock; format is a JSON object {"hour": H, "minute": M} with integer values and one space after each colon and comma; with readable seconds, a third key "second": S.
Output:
{"hour": 9, "minute": 12}
